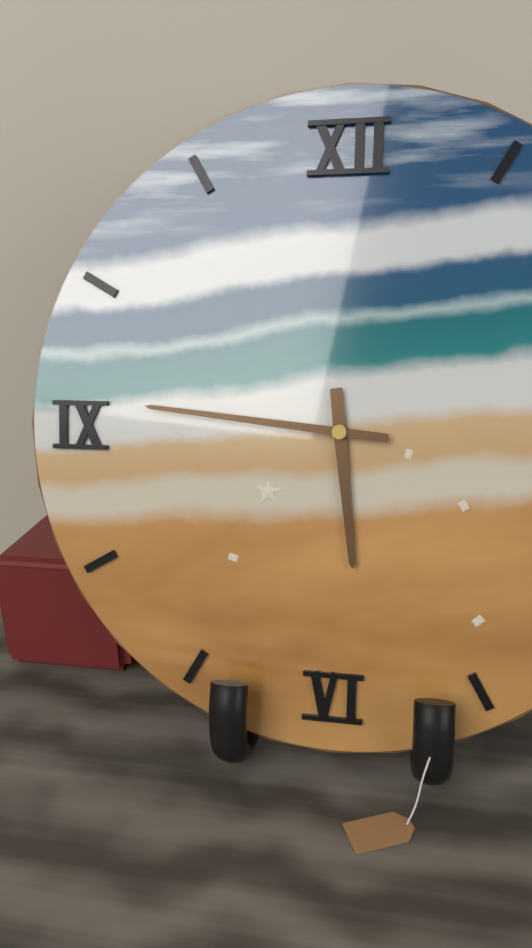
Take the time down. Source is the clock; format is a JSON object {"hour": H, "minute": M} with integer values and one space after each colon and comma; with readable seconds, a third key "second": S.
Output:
{"hour": 5, "minute": 46}
